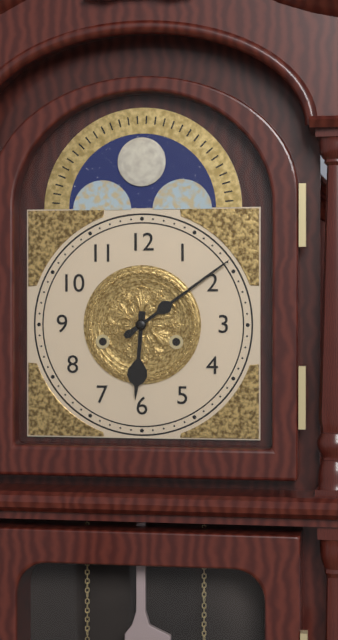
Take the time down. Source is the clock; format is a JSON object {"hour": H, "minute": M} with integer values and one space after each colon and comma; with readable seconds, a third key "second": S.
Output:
{"hour": 6, "minute": 9}
